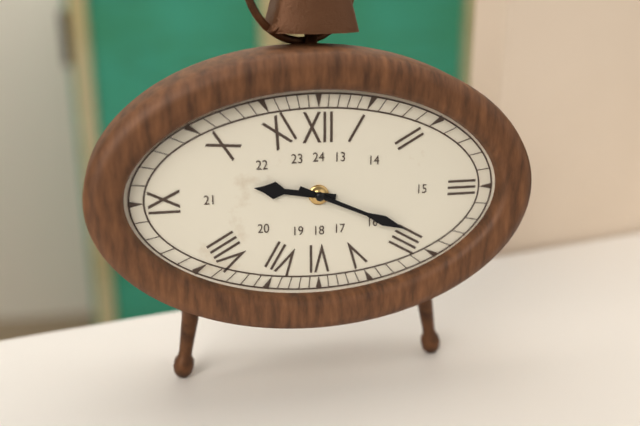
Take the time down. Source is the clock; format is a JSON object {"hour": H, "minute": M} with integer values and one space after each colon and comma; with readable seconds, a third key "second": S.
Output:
{"hour": 9, "minute": 19}
